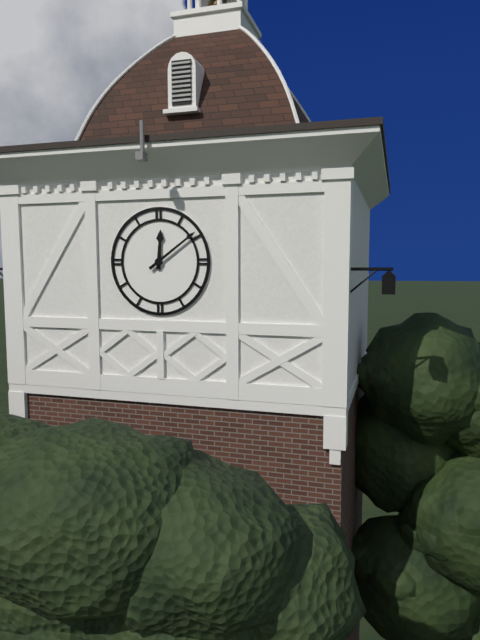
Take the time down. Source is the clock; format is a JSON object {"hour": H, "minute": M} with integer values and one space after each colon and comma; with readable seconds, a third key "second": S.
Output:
{"hour": 12, "minute": 9}
